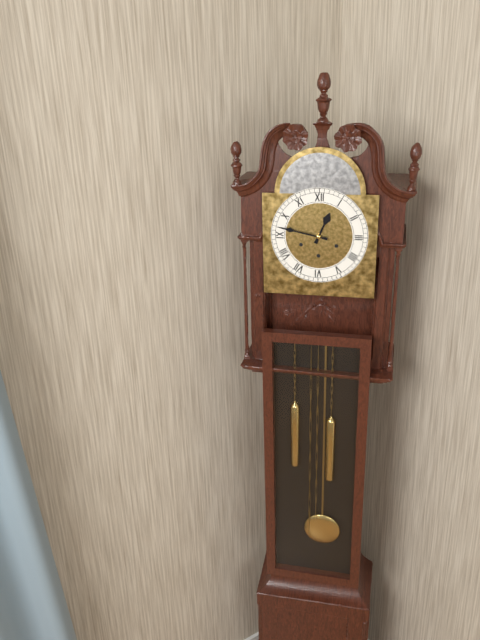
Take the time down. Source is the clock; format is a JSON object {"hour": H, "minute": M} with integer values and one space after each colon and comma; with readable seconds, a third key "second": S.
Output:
{"hour": 12, "minute": 47}
